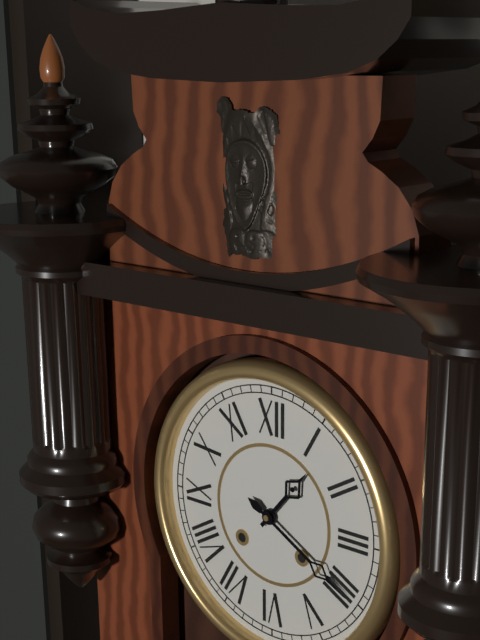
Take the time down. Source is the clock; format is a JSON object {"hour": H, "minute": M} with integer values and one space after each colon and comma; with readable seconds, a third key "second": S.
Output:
{"hour": 1, "minute": 20}
